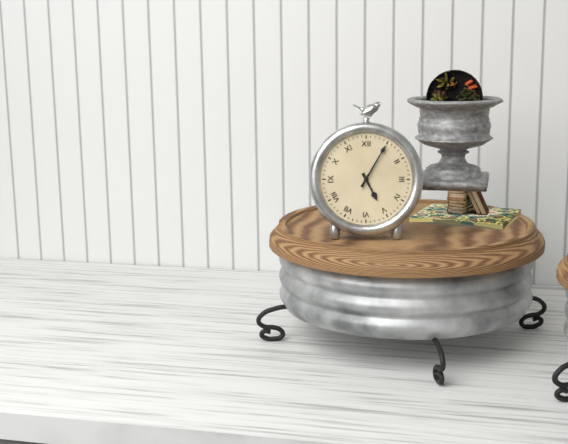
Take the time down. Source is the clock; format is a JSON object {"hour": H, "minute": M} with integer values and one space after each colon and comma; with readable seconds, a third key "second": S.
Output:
{"hour": 5, "minute": 5}
